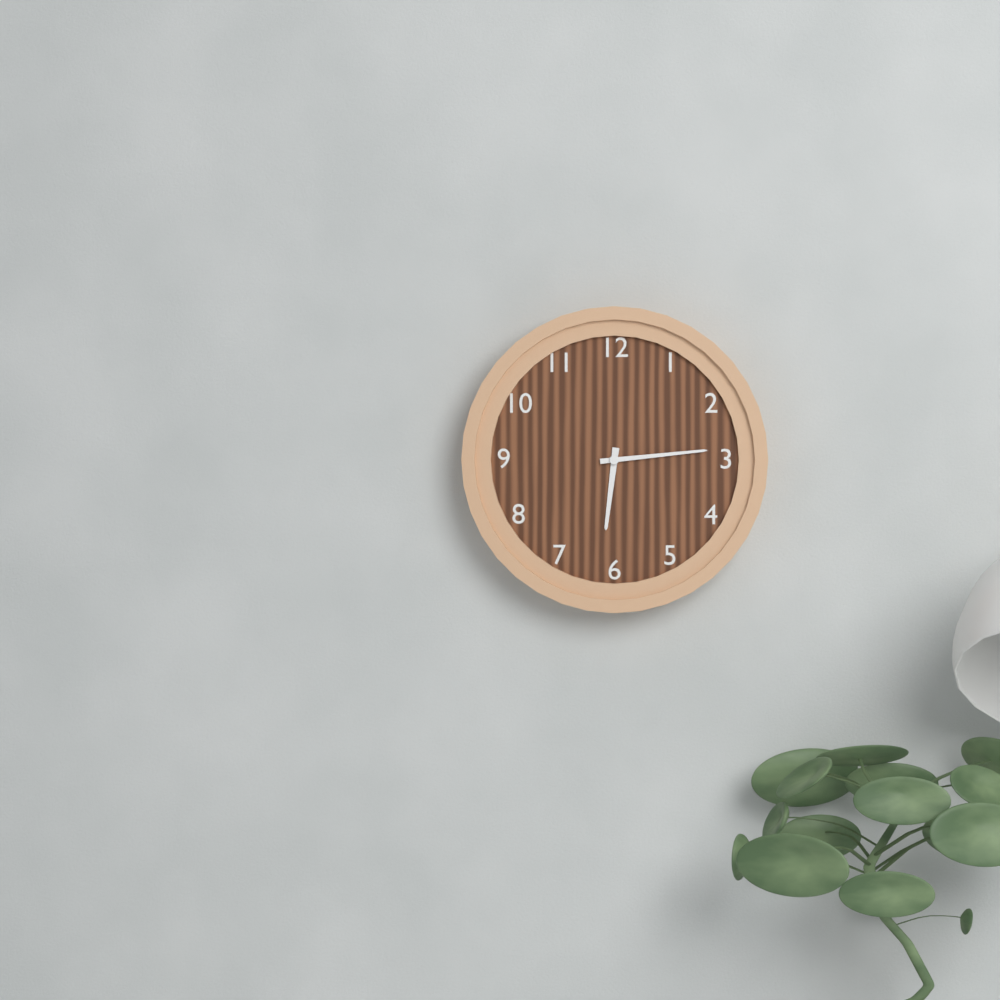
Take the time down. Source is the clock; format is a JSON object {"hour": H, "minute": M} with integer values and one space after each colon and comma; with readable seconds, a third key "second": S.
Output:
{"hour": 6, "minute": 14}
